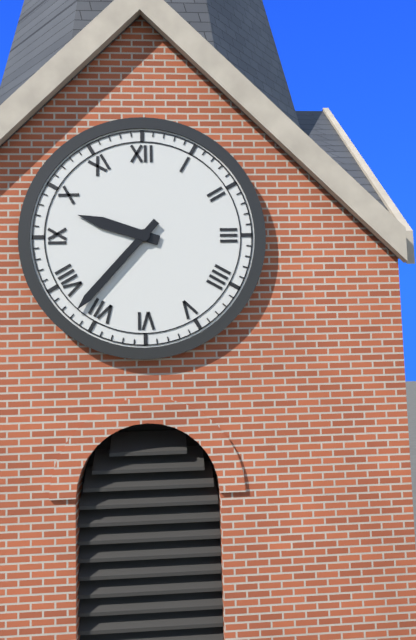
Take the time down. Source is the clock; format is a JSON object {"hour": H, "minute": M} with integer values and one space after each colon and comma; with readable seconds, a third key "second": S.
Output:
{"hour": 9, "minute": 37}
